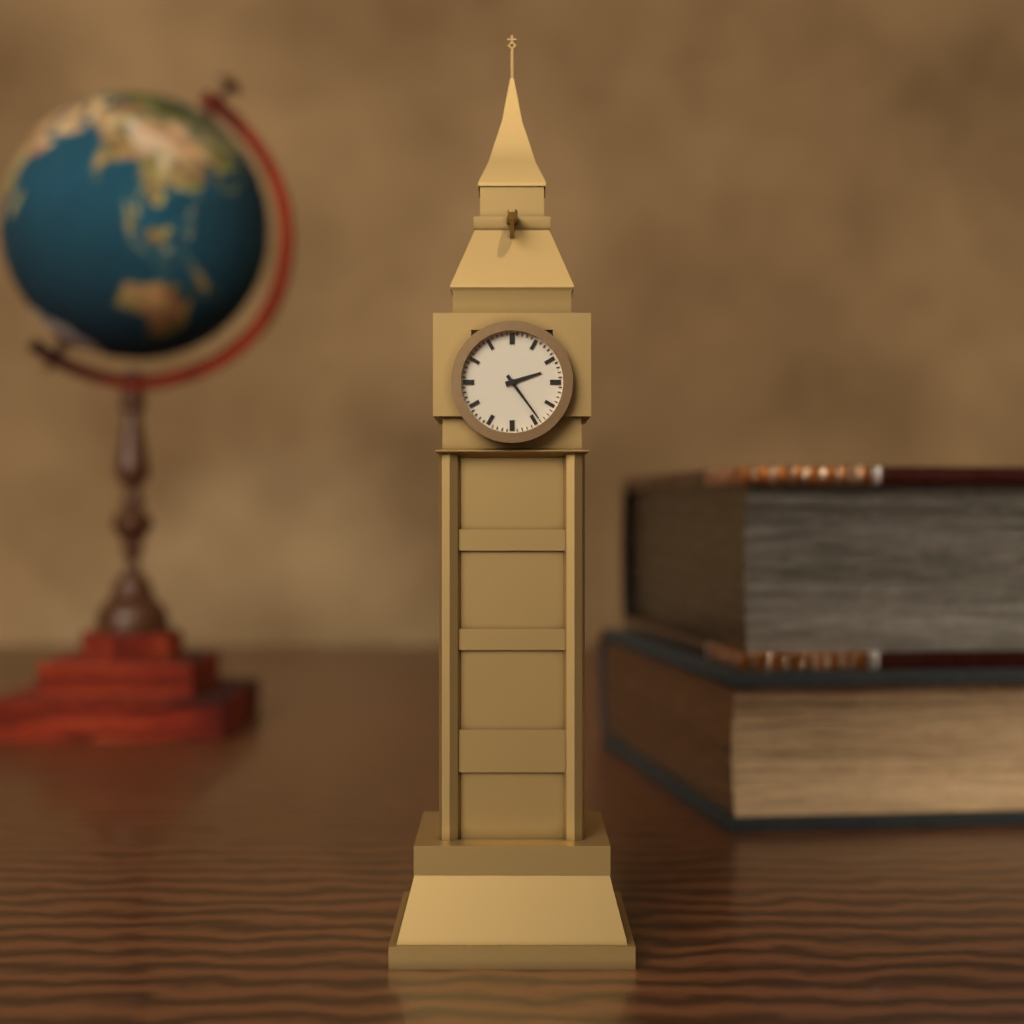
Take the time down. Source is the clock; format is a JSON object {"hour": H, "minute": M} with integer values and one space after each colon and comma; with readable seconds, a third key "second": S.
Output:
{"hour": 2, "minute": 24}
